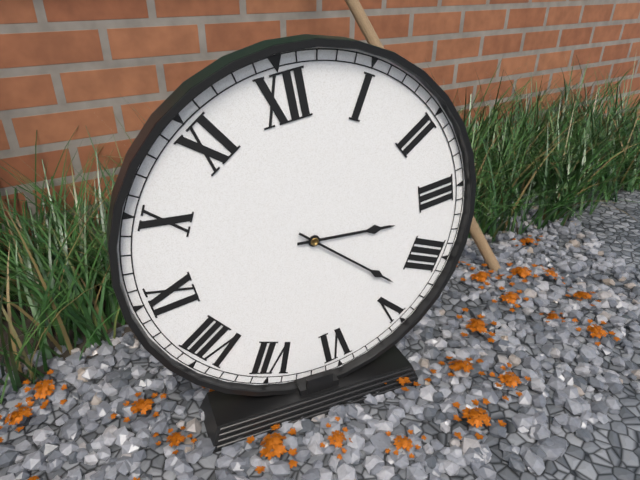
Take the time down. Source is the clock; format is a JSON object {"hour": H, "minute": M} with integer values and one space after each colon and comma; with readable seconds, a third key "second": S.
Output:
{"hour": 3, "minute": 23}
